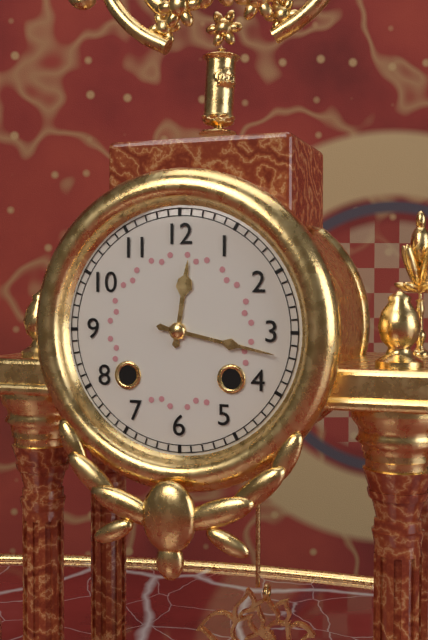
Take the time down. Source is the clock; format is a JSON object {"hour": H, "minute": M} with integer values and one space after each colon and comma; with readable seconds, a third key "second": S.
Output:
{"hour": 12, "minute": 17}
